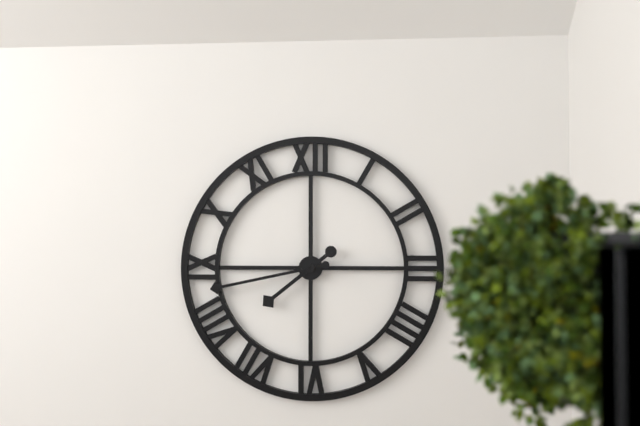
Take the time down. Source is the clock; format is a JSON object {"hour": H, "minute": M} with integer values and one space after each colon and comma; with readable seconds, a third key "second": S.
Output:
{"hour": 7, "minute": 43}
